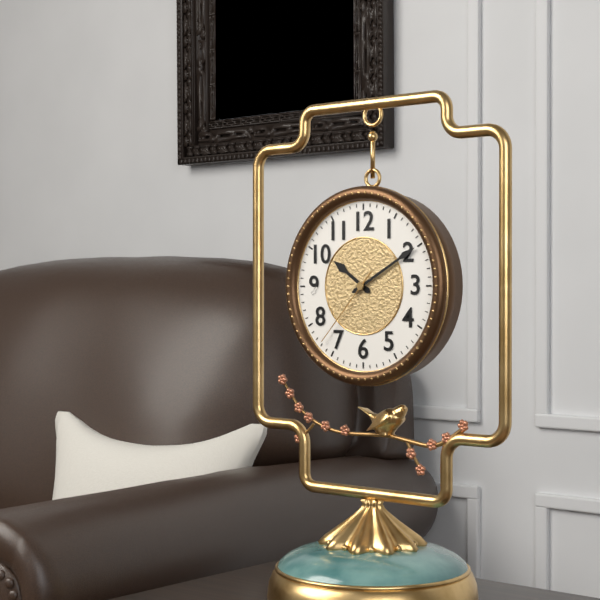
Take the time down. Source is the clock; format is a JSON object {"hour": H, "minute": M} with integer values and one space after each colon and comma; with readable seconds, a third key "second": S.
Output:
{"hour": 10, "minute": 10, "second": 37}
